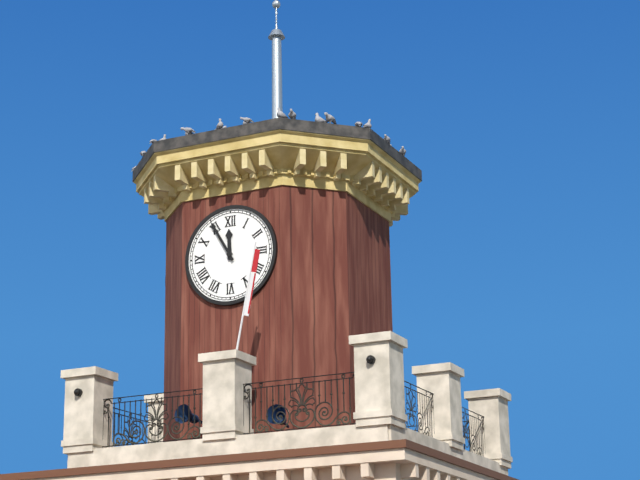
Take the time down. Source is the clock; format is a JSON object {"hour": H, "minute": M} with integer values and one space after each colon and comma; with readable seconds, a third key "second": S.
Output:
{"hour": 11, "minute": 55}
